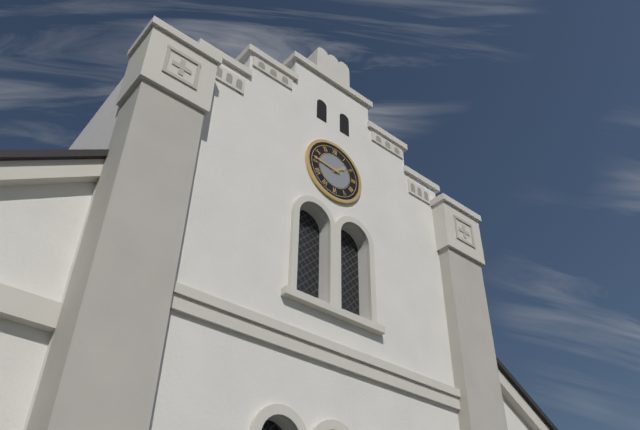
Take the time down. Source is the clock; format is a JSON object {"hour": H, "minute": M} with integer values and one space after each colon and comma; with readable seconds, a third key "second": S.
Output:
{"hour": 1, "minute": 46}
